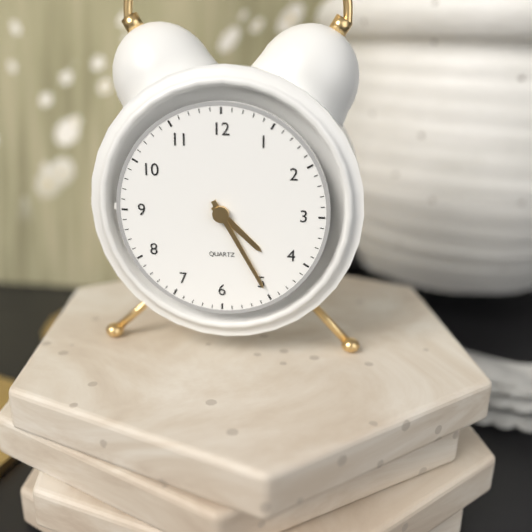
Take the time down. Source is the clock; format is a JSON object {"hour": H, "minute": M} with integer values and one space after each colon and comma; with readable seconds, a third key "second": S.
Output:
{"hour": 4, "minute": 25}
